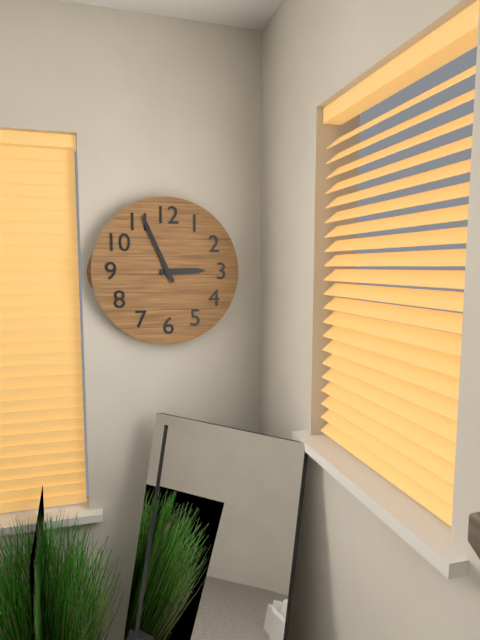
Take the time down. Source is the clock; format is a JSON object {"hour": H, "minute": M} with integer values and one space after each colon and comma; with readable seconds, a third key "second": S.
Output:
{"hour": 2, "minute": 56}
